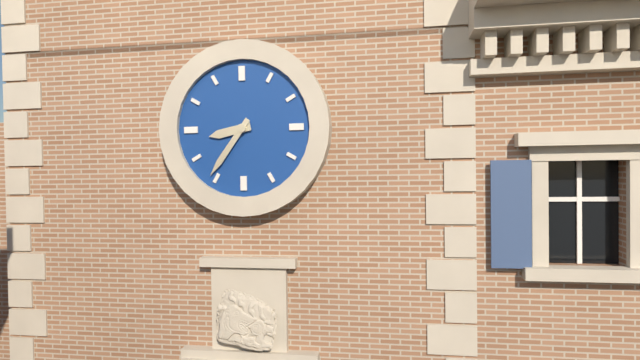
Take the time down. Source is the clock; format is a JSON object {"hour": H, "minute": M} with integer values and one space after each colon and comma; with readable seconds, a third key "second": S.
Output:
{"hour": 8, "minute": 36}
